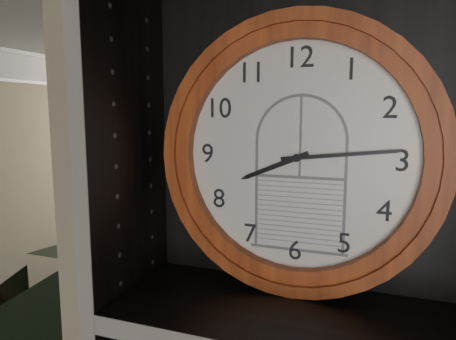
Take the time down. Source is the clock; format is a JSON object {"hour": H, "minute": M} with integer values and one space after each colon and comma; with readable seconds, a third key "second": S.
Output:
{"hour": 8, "minute": 14}
